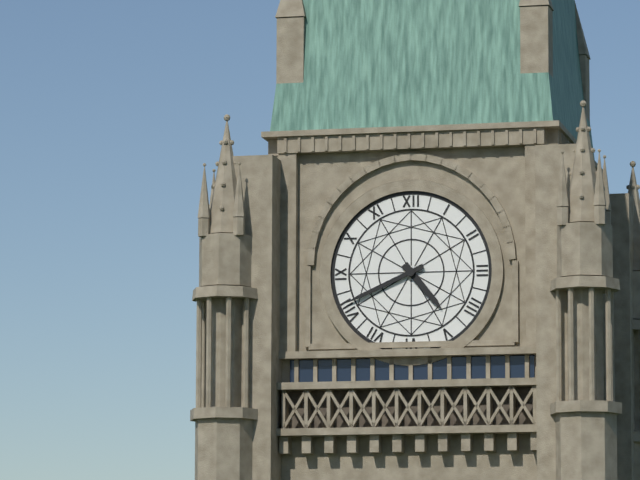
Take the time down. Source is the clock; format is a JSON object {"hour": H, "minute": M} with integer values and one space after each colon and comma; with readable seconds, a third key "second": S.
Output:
{"hour": 4, "minute": 41}
